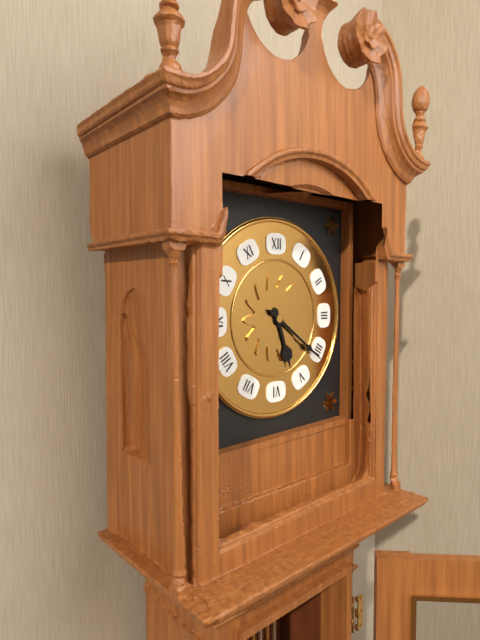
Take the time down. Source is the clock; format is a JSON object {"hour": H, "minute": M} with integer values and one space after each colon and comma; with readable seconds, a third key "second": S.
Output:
{"hour": 5, "minute": 21}
